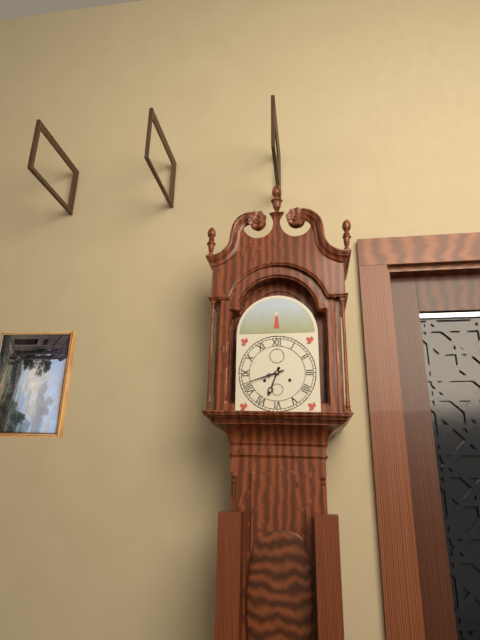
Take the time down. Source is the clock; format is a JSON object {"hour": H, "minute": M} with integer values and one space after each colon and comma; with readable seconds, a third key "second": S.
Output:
{"hour": 6, "minute": 42}
